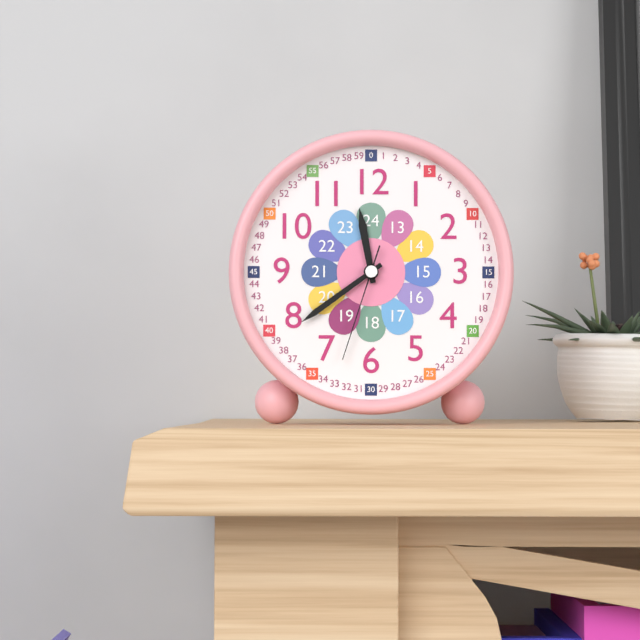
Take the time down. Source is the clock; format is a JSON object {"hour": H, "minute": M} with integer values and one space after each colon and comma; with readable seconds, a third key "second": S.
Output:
{"hour": 11, "minute": 39, "second": 33}
